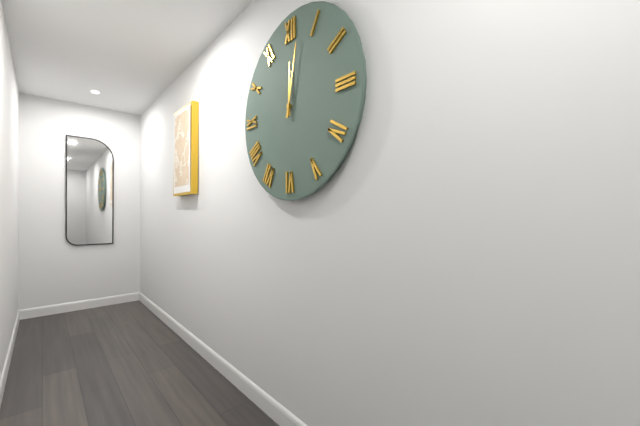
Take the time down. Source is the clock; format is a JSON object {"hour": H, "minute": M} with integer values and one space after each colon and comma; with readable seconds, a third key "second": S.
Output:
{"hour": 12, "minute": 2}
